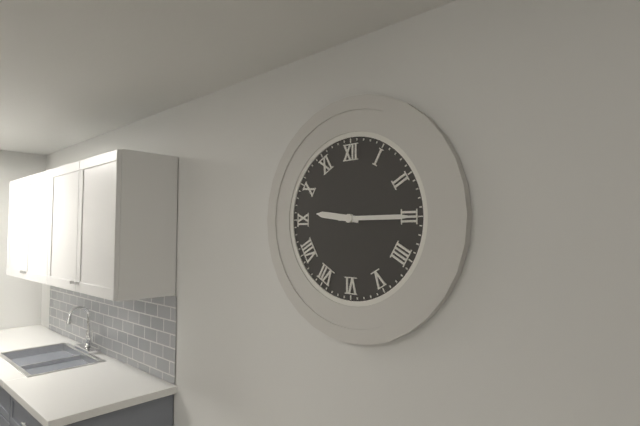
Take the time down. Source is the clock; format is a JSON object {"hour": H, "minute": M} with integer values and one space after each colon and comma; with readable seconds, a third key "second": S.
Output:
{"hour": 9, "minute": 15}
